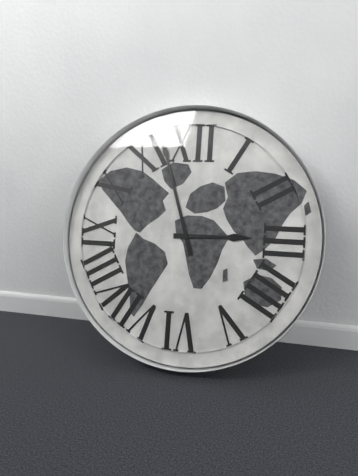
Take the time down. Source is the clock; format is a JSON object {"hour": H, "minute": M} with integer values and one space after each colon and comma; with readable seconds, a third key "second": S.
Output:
{"hour": 2, "minute": 57}
